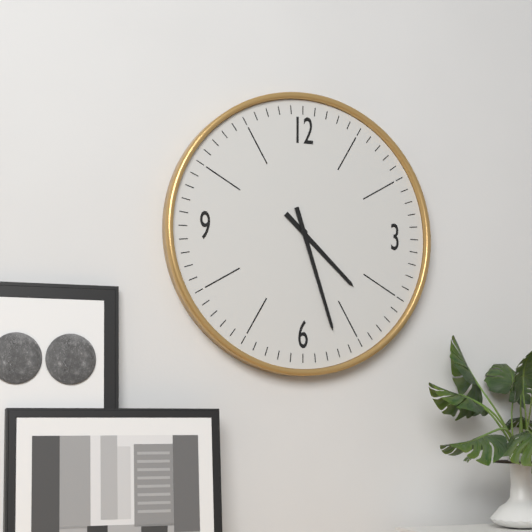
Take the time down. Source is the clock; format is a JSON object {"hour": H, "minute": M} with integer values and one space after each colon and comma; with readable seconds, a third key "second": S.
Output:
{"hour": 4, "minute": 27}
